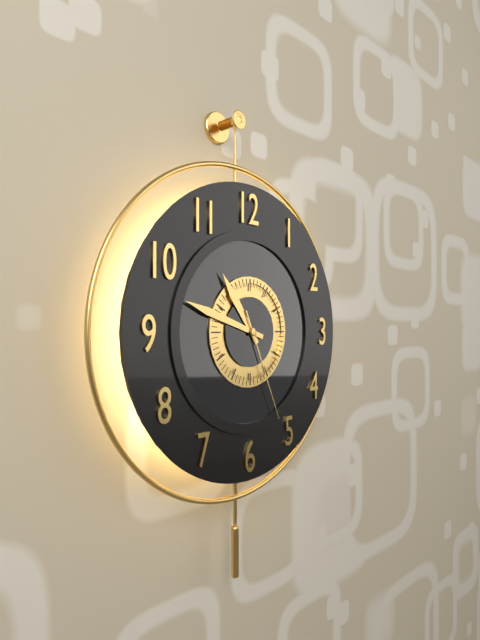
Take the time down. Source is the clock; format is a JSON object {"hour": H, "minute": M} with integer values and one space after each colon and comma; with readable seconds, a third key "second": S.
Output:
{"hour": 10, "minute": 48, "second": 26}
